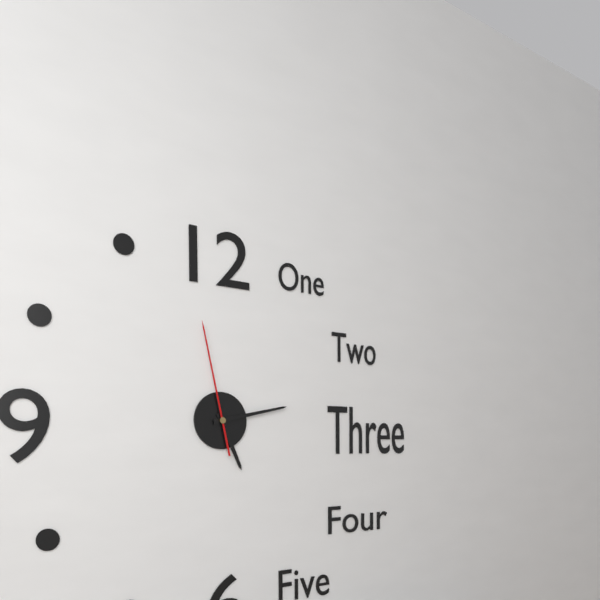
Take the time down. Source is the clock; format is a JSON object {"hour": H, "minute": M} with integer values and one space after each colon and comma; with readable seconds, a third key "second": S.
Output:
{"hour": 5, "minute": 13, "second": 58}
